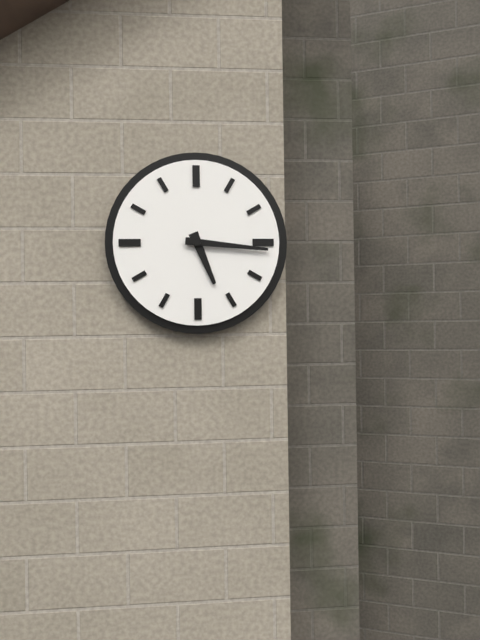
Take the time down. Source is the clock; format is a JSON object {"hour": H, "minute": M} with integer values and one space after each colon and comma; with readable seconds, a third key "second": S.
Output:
{"hour": 5, "minute": 16}
